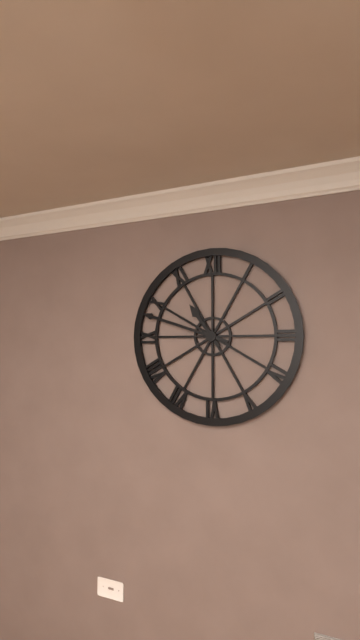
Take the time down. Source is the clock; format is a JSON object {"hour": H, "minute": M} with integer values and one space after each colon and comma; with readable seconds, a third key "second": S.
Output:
{"hour": 10, "minute": 48}
